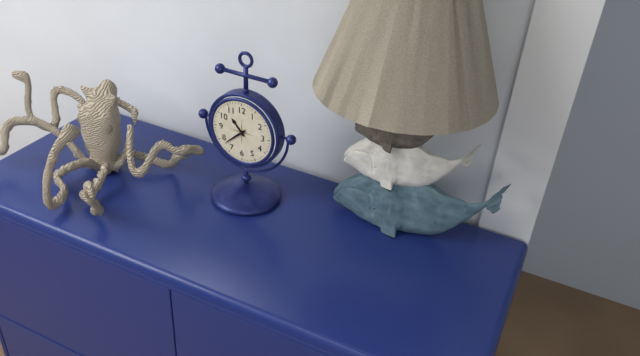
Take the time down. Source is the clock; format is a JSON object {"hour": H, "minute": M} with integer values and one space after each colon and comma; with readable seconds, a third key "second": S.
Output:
{"hour": 10, "minute": 38}
